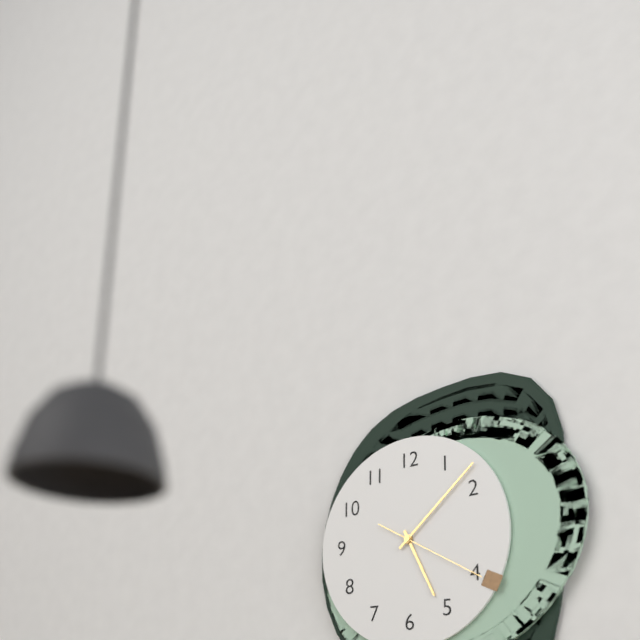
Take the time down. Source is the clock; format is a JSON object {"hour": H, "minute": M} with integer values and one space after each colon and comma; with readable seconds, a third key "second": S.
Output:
{"hour": 5, "minute": 8, "second": 20}
